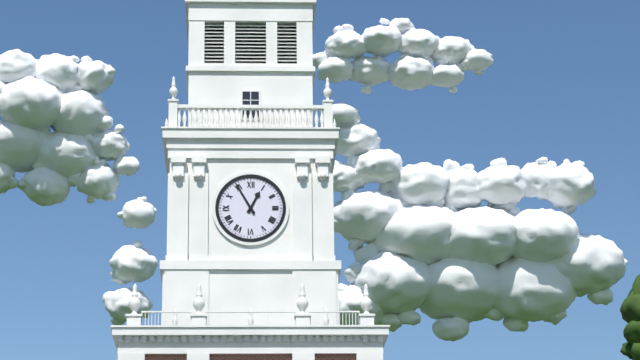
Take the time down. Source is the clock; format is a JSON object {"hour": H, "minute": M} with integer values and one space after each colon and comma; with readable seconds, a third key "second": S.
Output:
{"hour": 12, "minute": 55}
